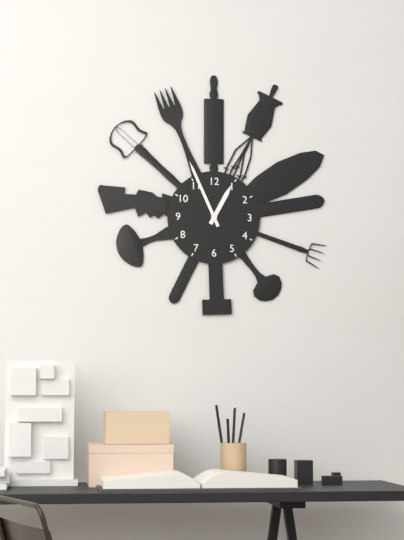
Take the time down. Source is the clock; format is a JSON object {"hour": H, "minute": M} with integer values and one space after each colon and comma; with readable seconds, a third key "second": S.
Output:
{"hour": 12, "minute": 56}
